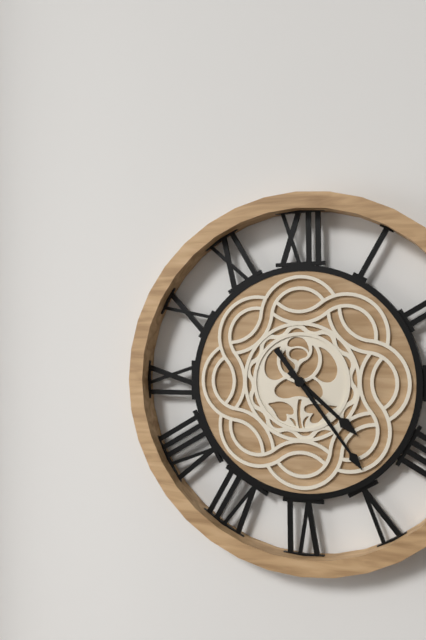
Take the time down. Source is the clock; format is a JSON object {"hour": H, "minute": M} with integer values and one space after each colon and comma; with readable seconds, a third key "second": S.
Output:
{"hour": 4, "minute": 24}
